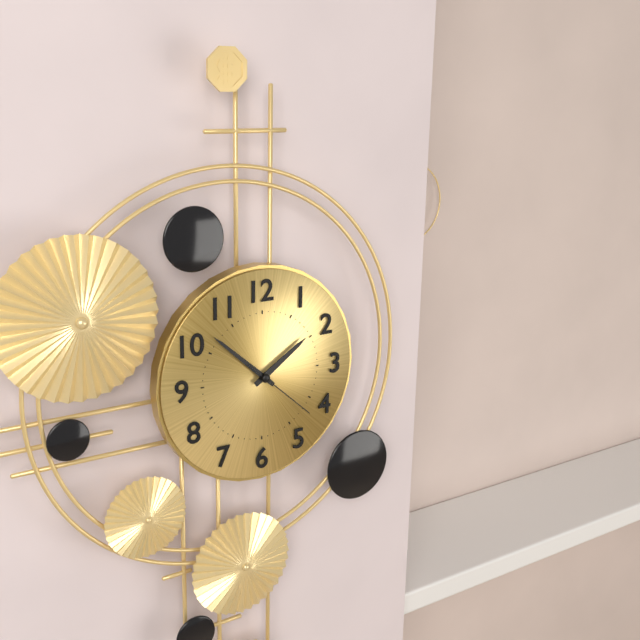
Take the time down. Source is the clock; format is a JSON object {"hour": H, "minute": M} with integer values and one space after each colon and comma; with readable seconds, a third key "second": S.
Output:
{"hour": 1, "minute": 52, "second": 22}
